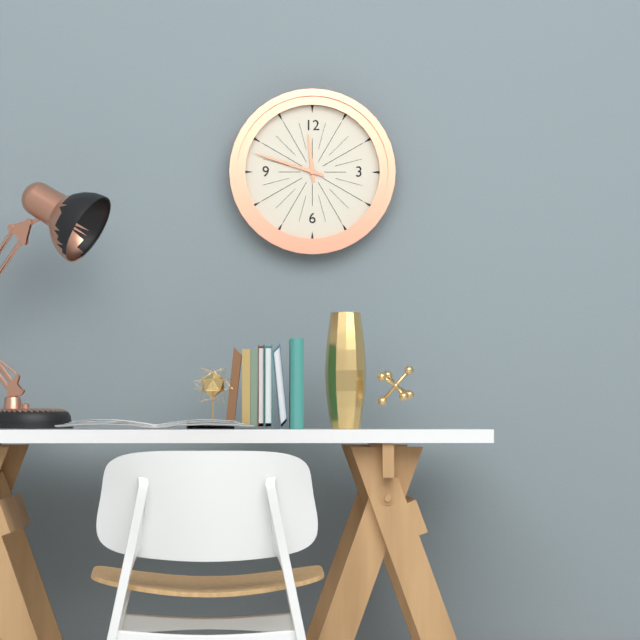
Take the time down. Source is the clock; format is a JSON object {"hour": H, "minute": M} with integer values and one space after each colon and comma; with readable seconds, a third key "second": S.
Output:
{"hour": 11, "minute": 48}
